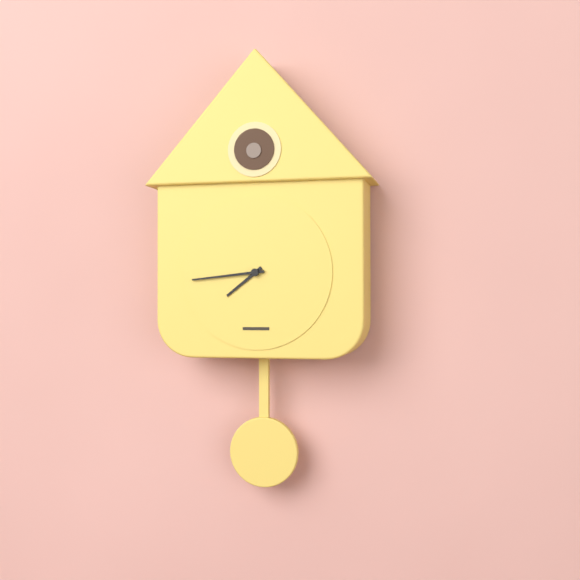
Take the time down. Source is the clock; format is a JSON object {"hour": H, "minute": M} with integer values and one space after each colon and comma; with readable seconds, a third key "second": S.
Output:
{"hour": 7, "minute": 44}
